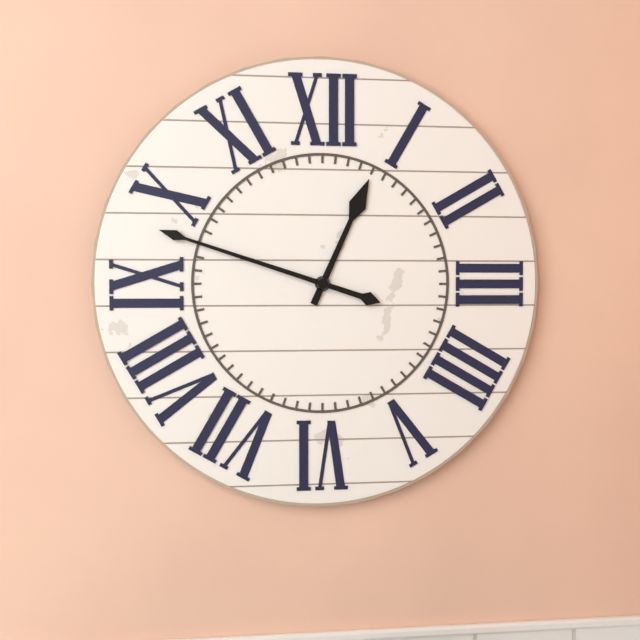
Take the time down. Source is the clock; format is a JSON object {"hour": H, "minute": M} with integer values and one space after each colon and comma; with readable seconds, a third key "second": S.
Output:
{"hour": 12, "minute": 48}
